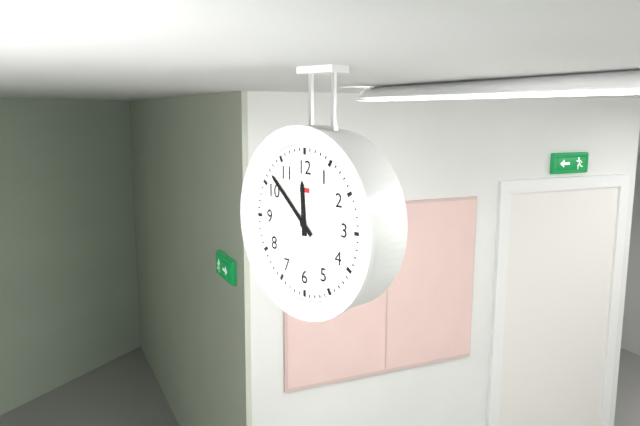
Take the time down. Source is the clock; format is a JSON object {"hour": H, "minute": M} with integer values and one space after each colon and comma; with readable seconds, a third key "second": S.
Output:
{"hour": 11, "minute": 52}
